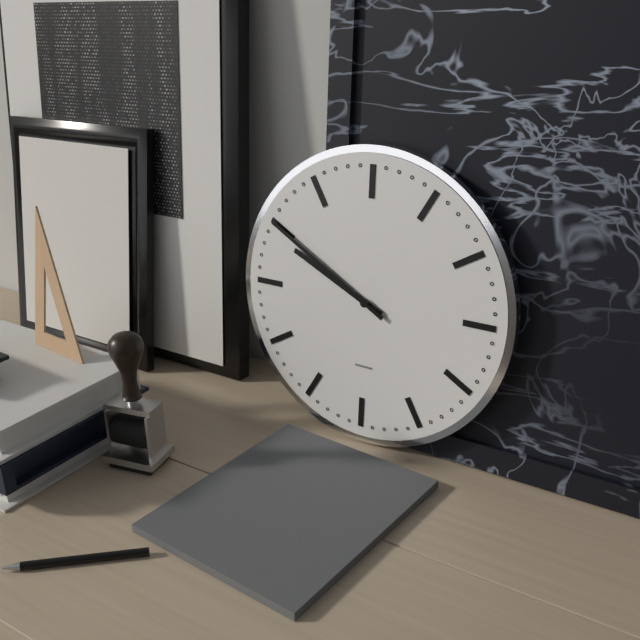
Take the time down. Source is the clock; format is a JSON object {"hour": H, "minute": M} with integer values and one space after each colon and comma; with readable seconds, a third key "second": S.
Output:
{"hour": 9, "minute": 50}
